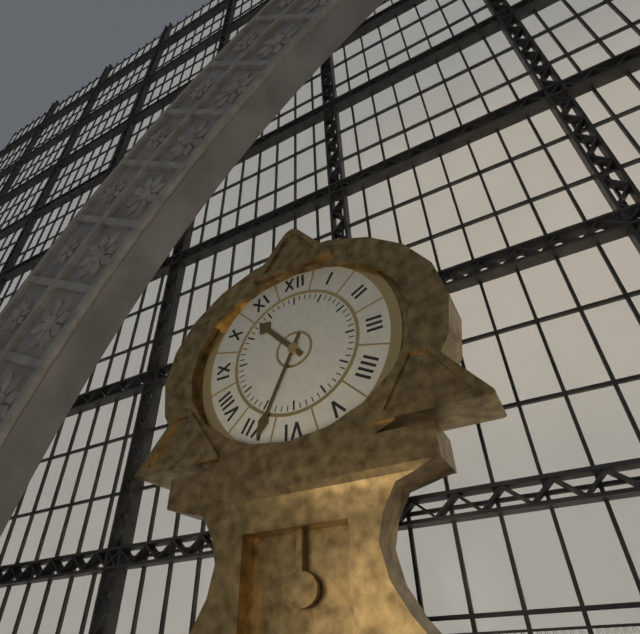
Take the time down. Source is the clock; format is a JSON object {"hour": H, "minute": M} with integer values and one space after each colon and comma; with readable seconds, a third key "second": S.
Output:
{"hour": 10, "minute": 34}
